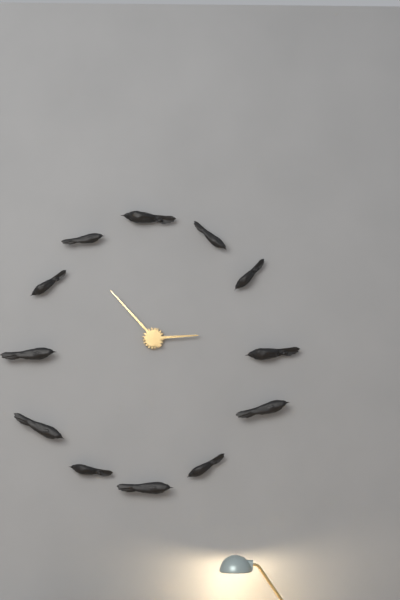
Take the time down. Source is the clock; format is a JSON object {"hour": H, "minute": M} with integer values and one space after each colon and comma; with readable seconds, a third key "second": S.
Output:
{"hour": 2, "minute": 53}
